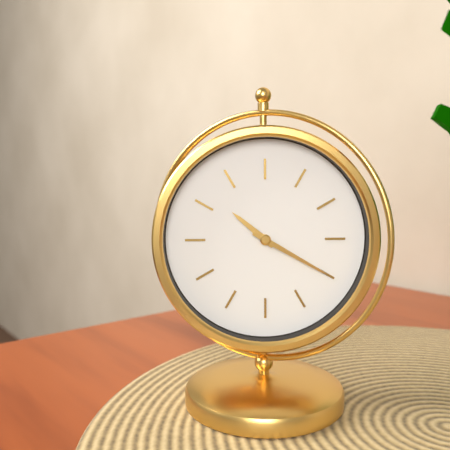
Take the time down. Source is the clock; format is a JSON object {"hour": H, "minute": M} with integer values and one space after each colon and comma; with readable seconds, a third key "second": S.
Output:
{"hour": 10, "minute": 20}
